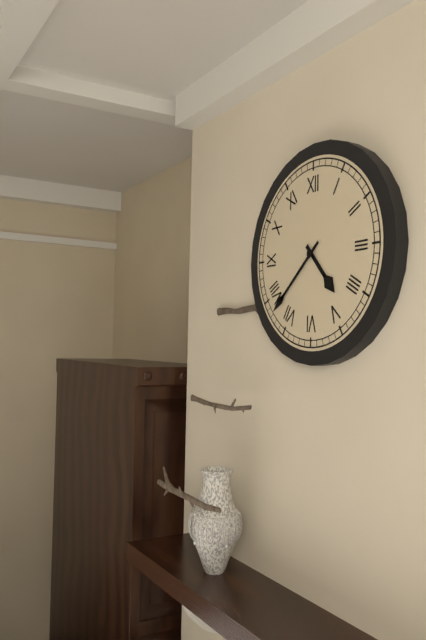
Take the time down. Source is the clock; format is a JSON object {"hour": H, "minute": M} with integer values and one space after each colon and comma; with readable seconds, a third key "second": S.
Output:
{"hour": 4, "minute": 38}
